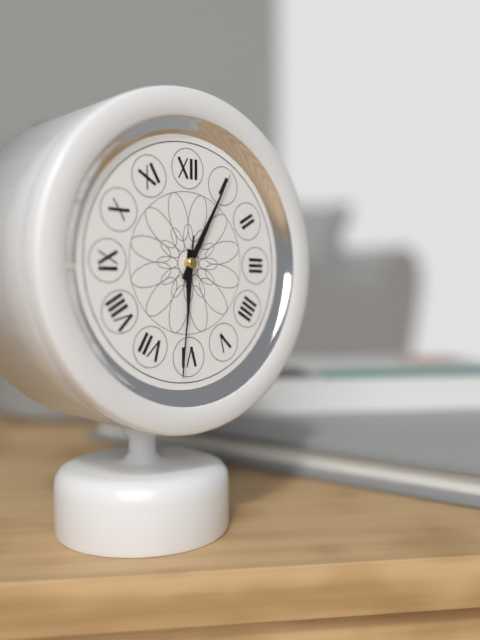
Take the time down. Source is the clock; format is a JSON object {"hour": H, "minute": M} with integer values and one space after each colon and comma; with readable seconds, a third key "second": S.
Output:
{"hour": 6, "minute": 5, "second": 31}
